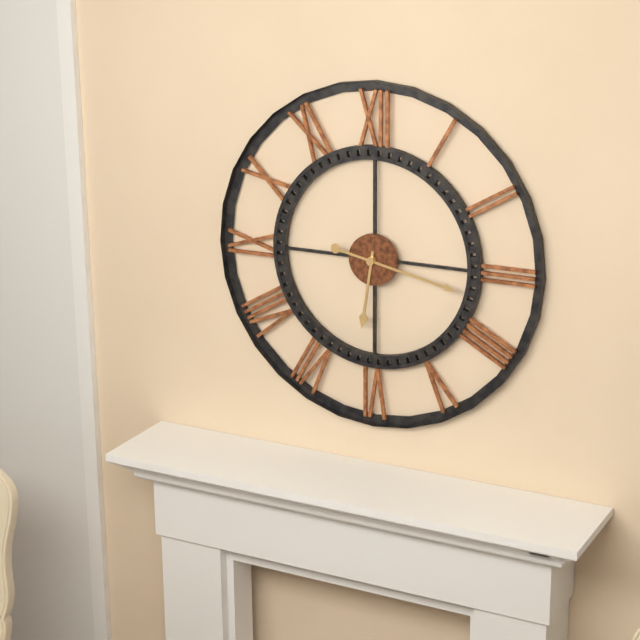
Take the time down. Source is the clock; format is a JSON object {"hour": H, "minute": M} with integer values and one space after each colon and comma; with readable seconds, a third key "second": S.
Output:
{"hour": 6, "minute": 17}
